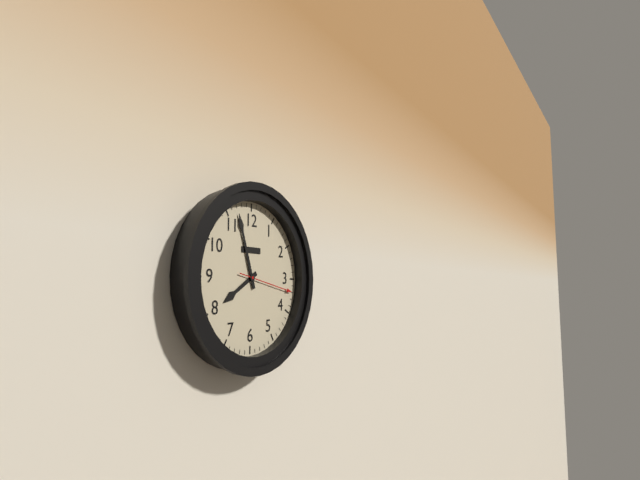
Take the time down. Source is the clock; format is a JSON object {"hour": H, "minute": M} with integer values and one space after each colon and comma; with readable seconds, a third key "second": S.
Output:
{"hour": 7, "minute": 57, "second": 17}
